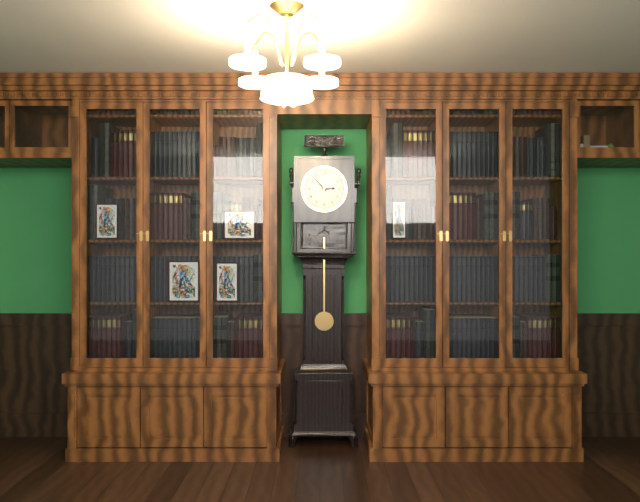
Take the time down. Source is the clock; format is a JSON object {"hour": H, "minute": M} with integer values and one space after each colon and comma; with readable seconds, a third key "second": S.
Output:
{"hour": 2, "minute": 53}
